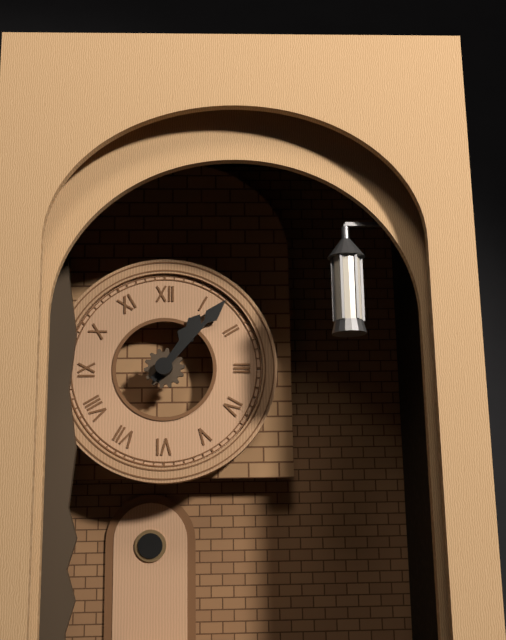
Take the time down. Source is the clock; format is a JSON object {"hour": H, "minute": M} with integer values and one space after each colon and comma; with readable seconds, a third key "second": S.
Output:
{"hour": 1, "minute": 7}
